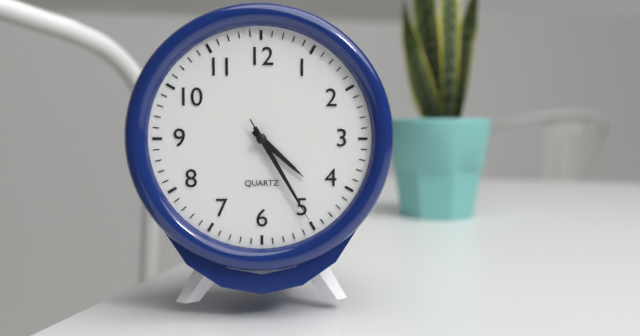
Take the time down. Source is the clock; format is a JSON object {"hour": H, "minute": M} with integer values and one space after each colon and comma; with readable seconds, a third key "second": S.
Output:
{"hour": 4, "minute": 25, "second": 25}
